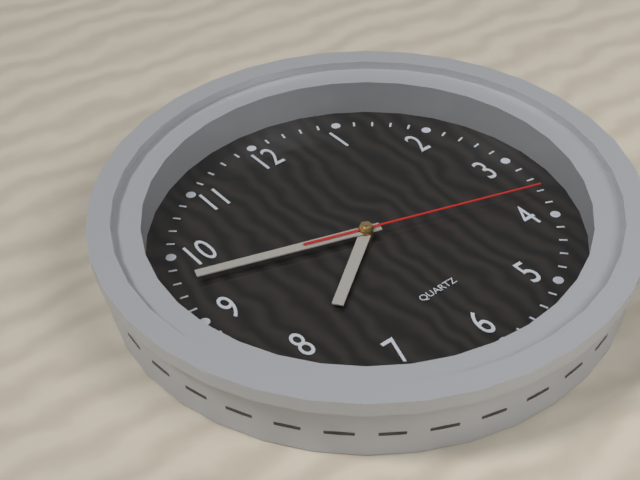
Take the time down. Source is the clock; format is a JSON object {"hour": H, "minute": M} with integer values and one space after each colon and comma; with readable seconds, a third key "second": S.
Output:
{"hour": 7, "minute": 48, "second": 18}
